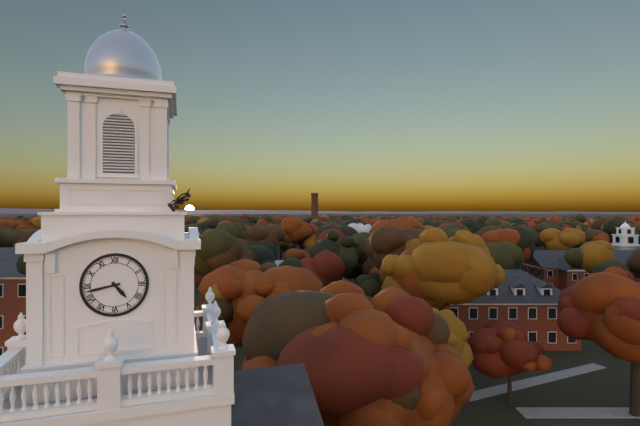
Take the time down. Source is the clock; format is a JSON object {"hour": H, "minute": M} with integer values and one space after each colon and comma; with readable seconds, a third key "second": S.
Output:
{"hour": 4, "minute": 43}
